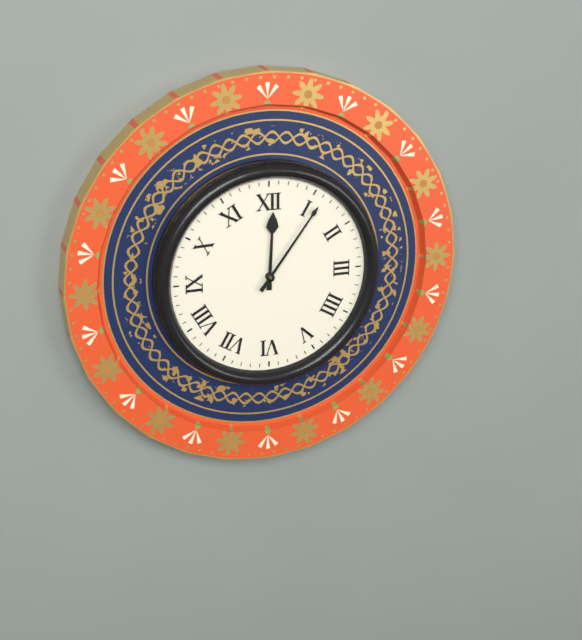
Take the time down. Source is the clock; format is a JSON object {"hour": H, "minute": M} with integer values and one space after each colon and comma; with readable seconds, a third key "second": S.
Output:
{"hour": 12, "minute": 6}
